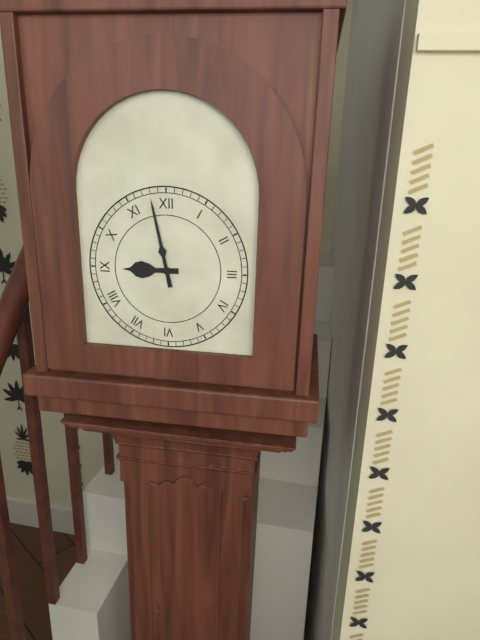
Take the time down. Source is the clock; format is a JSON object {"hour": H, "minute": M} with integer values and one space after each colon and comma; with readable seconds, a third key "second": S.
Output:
{"hour": 8, "minute": 58}
